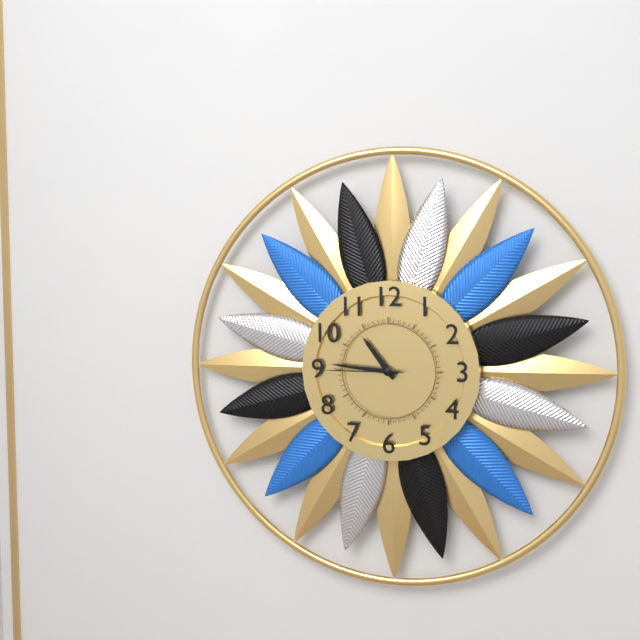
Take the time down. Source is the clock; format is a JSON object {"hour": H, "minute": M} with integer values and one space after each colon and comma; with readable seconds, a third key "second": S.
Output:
{"hour": 10, "minute": 46, "second": 45}
